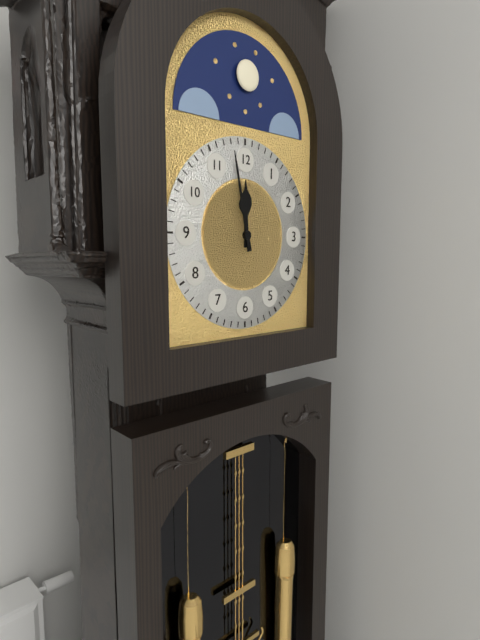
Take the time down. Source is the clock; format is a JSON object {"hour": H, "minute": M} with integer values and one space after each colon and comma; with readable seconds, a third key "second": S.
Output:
{"hour": 11, "minute": 58}
